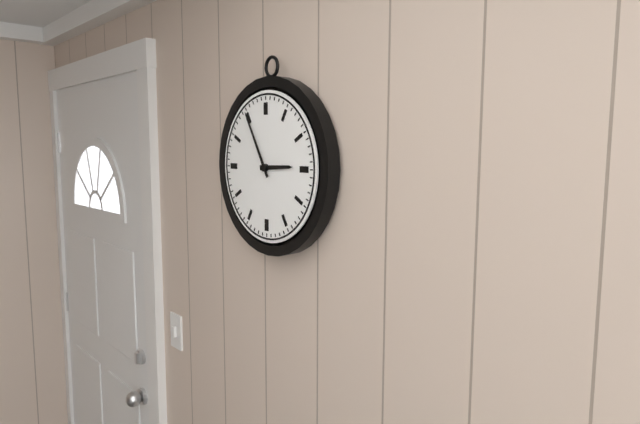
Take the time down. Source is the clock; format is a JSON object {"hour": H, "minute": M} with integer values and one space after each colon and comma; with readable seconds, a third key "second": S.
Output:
{"hour": 2, "minute": 55}
